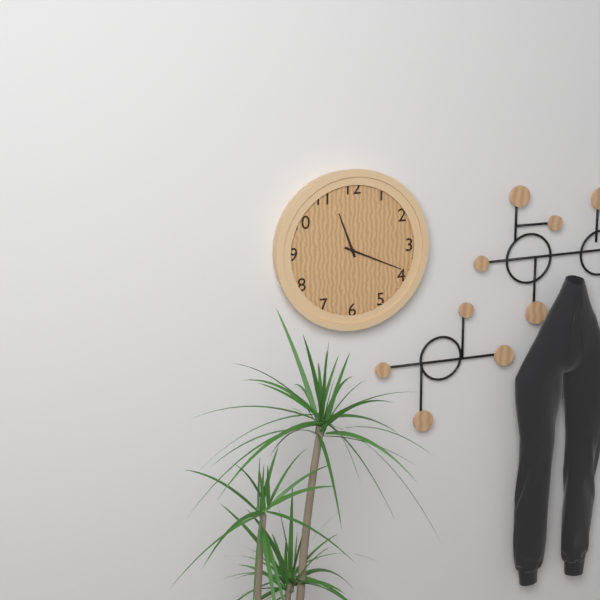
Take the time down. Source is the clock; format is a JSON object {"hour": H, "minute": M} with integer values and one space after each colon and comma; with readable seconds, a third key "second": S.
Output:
{"hour": 11, "minute": 19}
